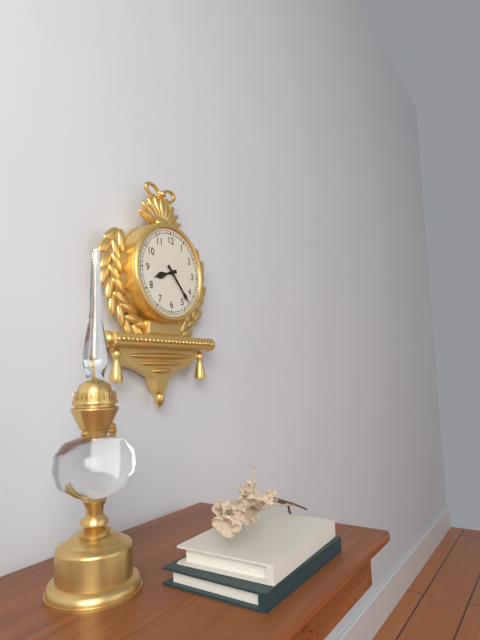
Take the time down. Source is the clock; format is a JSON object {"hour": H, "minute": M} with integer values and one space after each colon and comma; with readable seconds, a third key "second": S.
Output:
{"hour": 8, "minute": 23}
